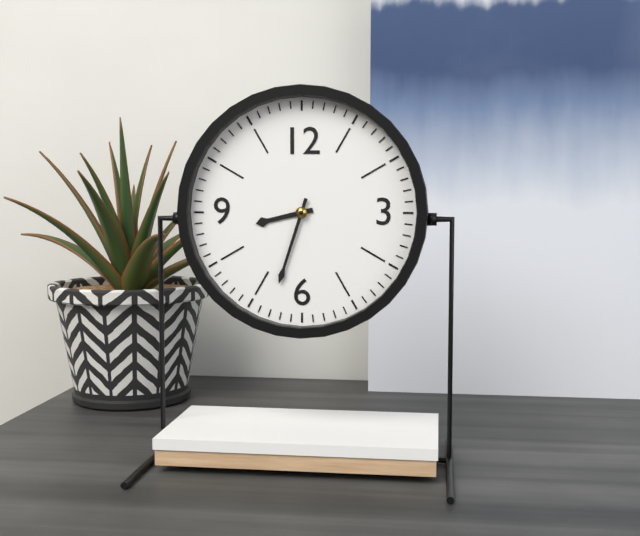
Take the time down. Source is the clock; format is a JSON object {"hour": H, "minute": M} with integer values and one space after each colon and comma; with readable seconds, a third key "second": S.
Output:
{"hour": 8, "minute": 33}
